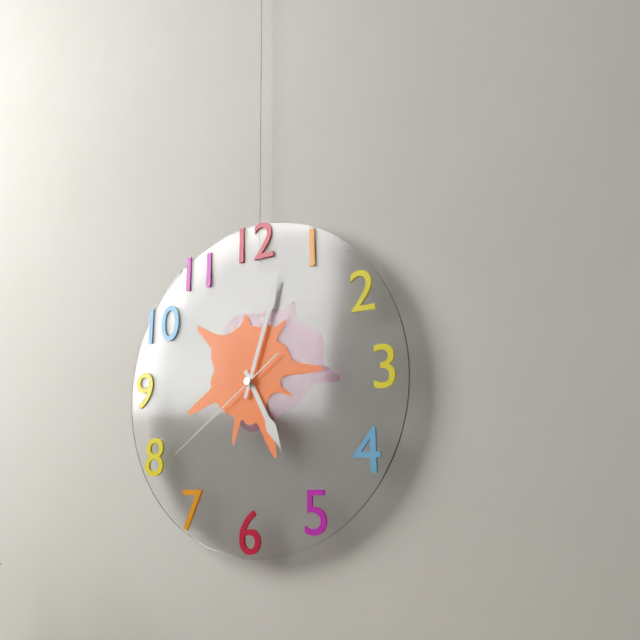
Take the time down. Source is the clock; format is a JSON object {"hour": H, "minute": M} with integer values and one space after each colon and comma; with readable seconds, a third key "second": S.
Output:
{"hour": 5, "minute": 3, "second": 39}
